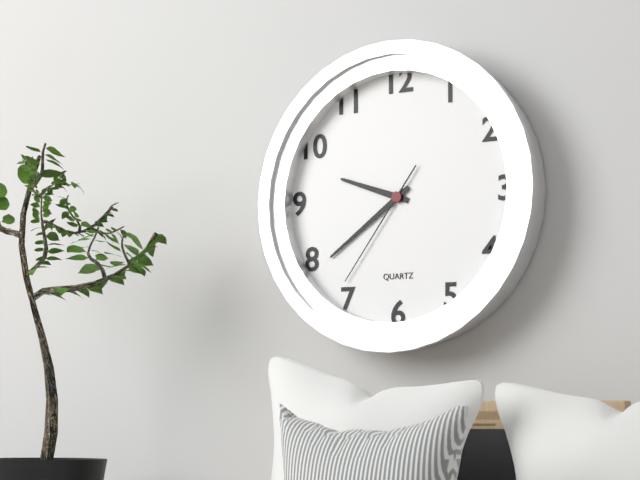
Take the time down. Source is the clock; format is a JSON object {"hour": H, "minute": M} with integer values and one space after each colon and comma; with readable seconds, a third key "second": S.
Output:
{"hour": 9, "minute": 39, "second": 36}
